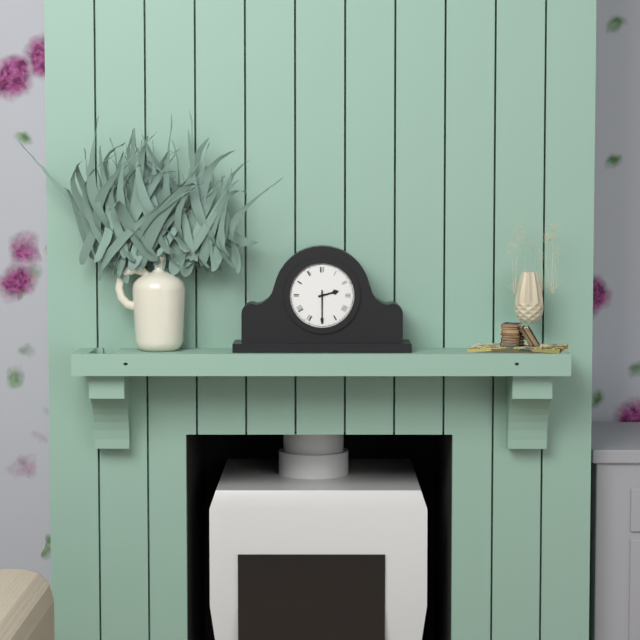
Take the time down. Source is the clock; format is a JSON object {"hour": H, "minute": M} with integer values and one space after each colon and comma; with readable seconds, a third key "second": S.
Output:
{"hour": 2, "minute": 30}
